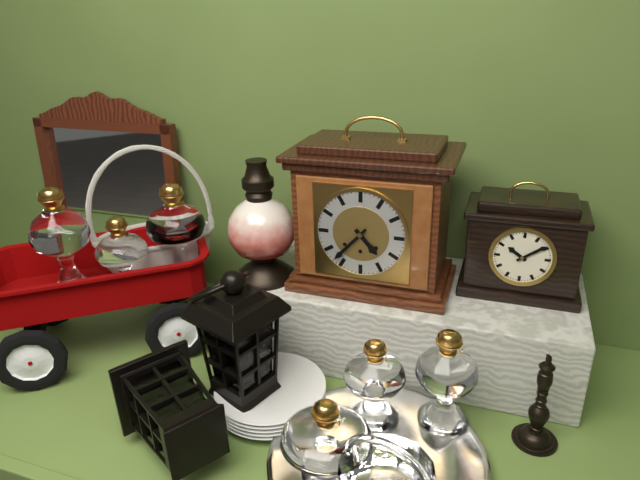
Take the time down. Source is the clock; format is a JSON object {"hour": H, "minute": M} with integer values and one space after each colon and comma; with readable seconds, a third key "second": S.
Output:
{"hour": 4, "minute": 37}
